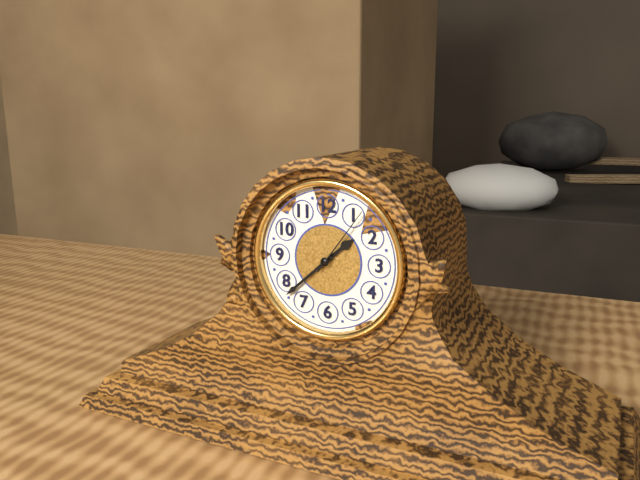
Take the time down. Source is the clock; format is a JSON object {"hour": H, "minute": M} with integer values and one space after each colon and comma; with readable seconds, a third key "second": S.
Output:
{"hour": 1, "minute": 38, "second": 6}
